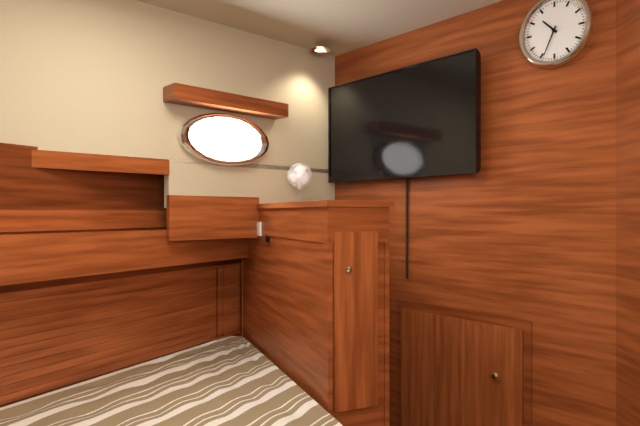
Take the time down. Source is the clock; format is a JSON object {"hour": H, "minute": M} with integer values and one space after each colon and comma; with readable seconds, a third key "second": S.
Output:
{"hour": 10, "minute": 34}
